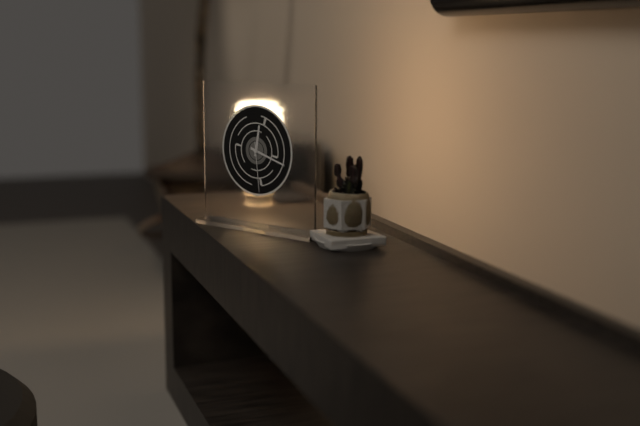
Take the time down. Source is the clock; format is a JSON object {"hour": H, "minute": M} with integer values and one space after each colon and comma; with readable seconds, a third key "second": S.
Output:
{"hour": 12, "minute": 18, "second": 29}
